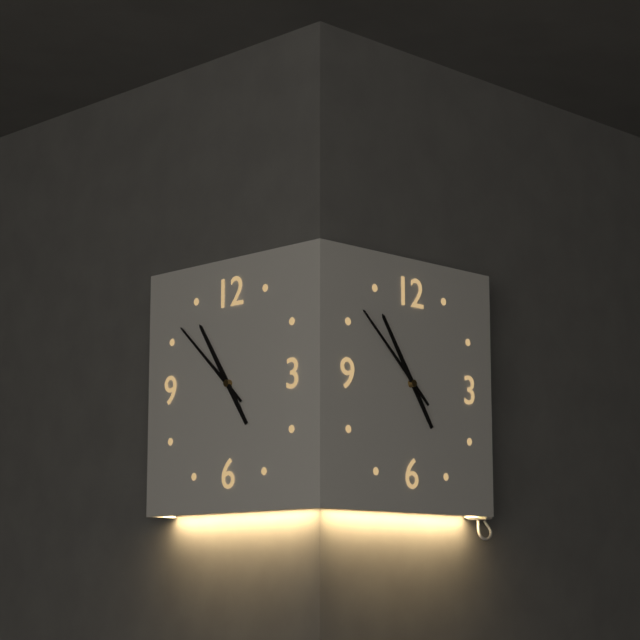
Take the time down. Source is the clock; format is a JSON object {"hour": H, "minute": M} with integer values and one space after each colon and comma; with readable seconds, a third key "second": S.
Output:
{"hour": 10, "minute": 52}
